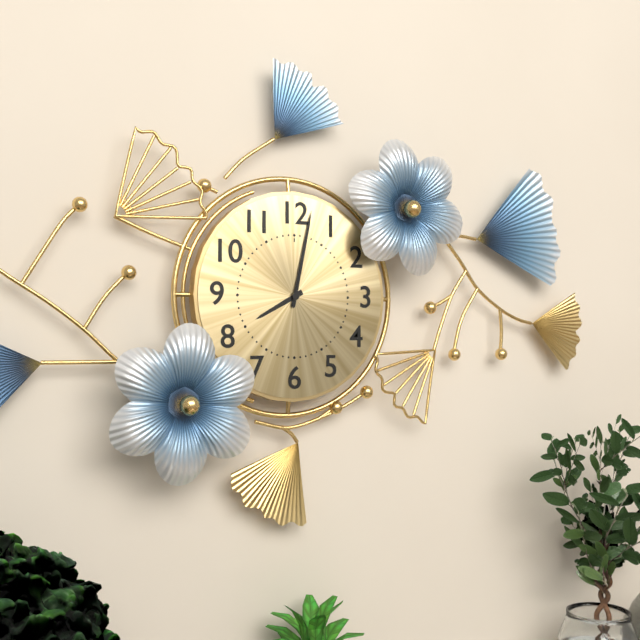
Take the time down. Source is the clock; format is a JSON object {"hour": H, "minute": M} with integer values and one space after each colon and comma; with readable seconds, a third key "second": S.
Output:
{"hour": 8, "minute": 2}
